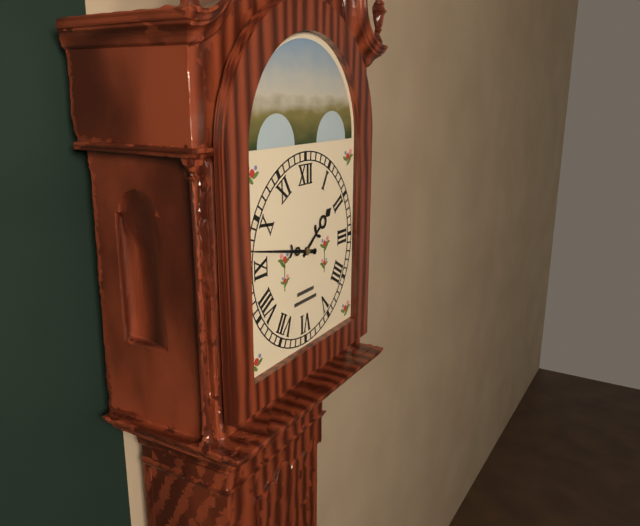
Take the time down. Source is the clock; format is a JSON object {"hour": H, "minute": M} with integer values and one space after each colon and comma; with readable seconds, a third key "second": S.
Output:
{"hour": 1, "minute": 47}
